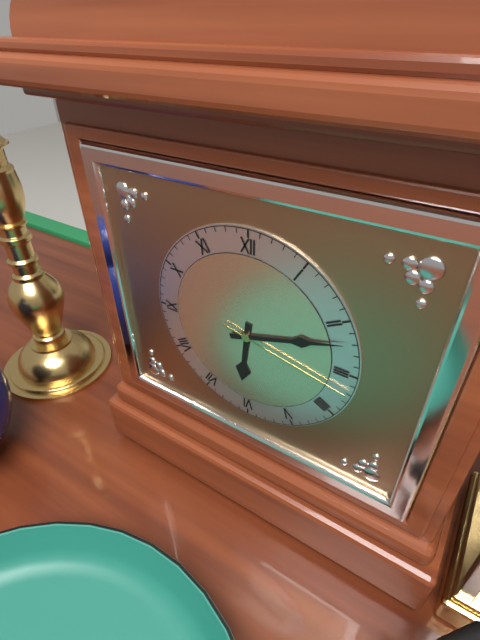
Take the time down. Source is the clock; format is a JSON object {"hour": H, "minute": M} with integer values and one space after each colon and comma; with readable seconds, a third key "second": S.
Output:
{"hour": 6, "minute": 12, "second": 17}
